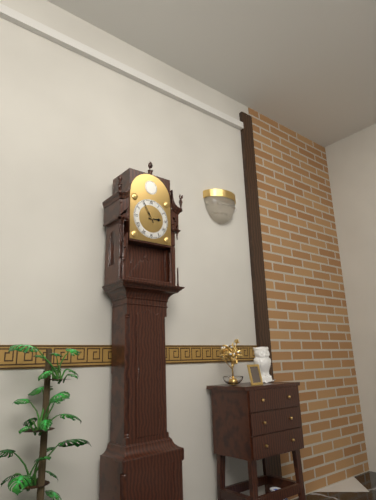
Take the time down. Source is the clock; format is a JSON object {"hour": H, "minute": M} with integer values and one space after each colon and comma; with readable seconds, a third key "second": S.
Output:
{"hour": 2, "minute": 55}
